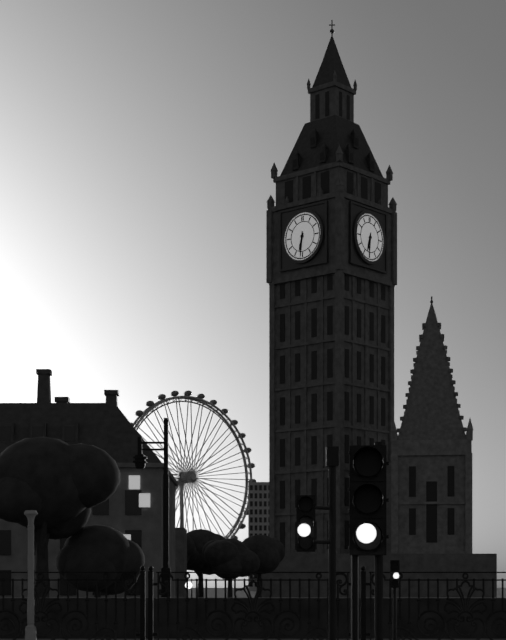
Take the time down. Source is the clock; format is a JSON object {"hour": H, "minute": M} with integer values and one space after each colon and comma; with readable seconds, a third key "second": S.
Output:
{"hour": 6, "minute": 31}
